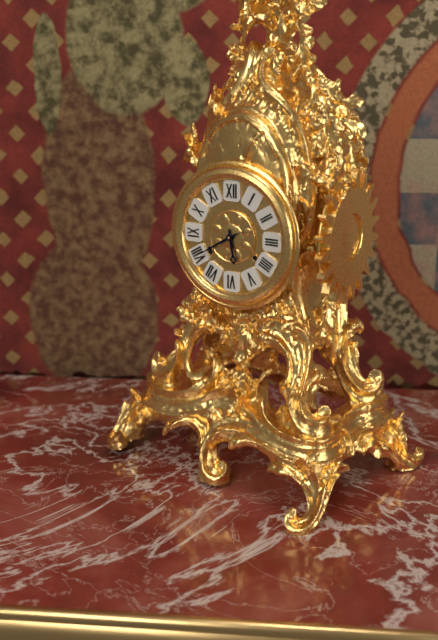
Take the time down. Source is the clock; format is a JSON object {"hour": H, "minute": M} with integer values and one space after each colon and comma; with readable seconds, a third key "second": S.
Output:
{"hour": 5, "minute": 40}
